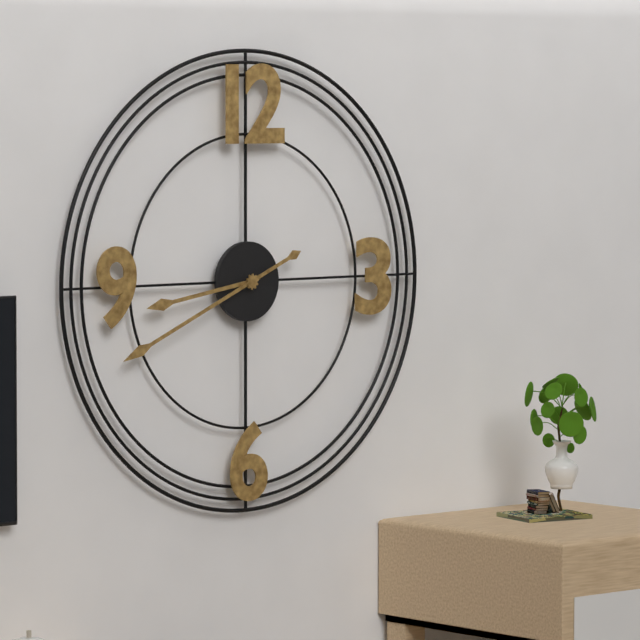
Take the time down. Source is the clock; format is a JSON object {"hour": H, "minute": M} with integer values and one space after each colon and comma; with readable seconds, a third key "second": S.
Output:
{"hour": 8, "minute": 41}
